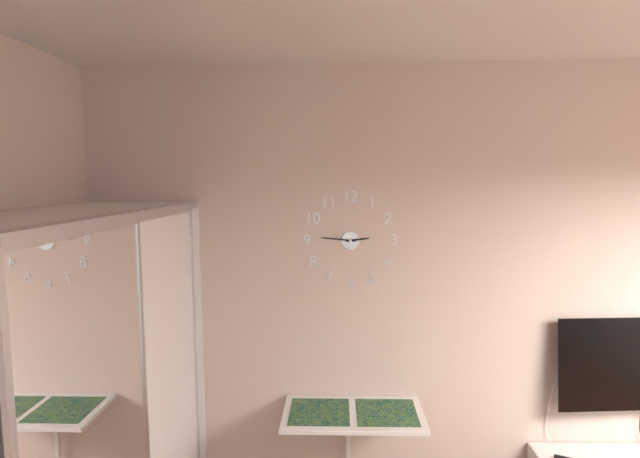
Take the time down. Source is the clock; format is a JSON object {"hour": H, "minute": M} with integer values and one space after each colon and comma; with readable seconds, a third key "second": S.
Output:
{"hour": 2, "minute": 46}
